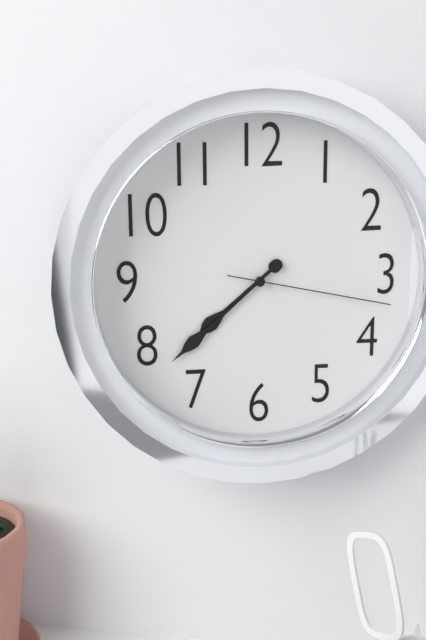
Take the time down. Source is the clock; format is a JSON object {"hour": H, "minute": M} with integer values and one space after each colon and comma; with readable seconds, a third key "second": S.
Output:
{"hour": 7, "minute": 38, "second": 17}
